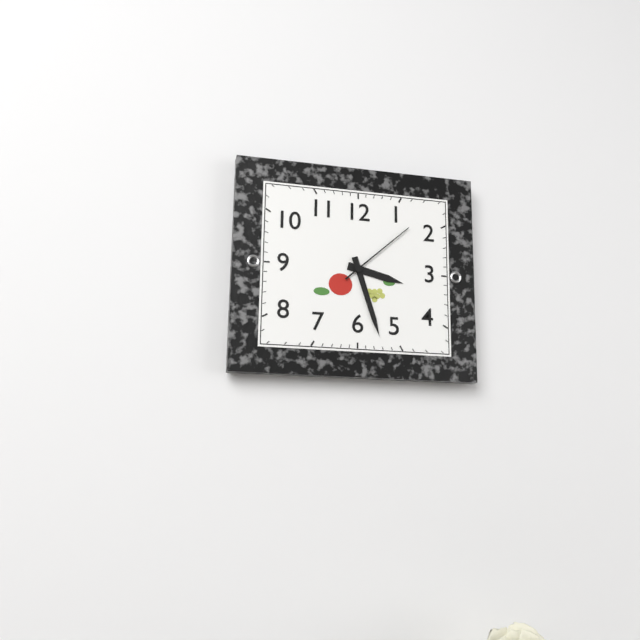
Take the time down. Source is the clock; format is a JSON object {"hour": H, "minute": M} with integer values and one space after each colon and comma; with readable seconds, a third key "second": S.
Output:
{"hour": 3, "minute": 27, "second": 8}
